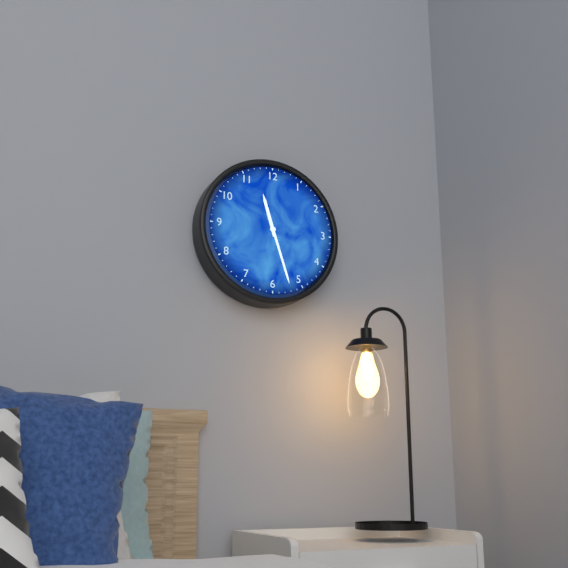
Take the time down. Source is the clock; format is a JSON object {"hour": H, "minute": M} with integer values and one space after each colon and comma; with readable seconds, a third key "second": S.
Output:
{"hour": 11, "minute": 27}
